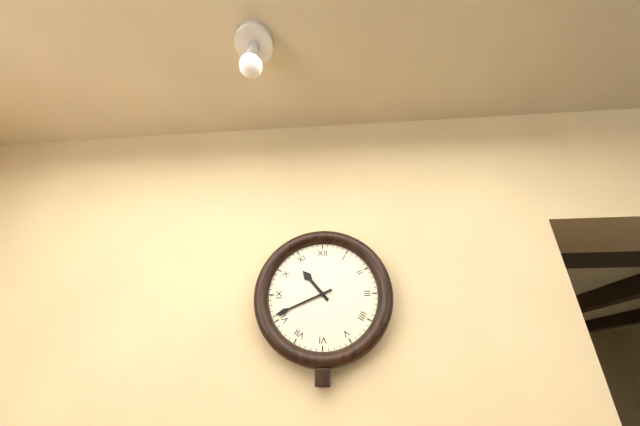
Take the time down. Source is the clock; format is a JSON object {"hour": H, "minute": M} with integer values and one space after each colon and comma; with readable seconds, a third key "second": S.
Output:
{"hour": 10, "minute": 41}
